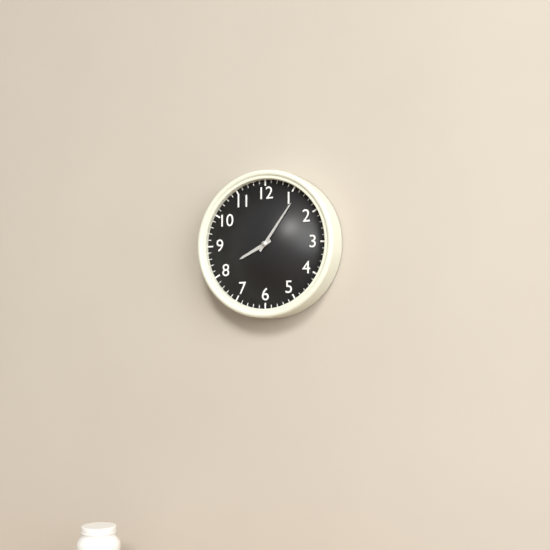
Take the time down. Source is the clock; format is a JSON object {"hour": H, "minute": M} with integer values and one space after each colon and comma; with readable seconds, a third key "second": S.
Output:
{"hour": 8, "minute": 6}
